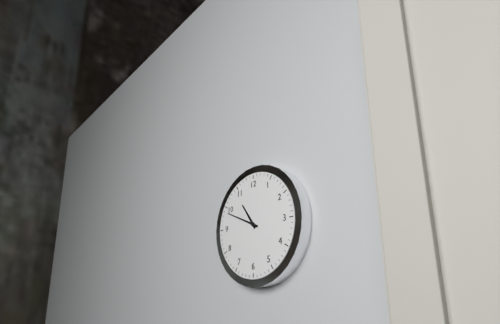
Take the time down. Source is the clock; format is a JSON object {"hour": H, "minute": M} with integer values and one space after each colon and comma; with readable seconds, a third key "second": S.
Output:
{"hour": 10, "minute": 49}
